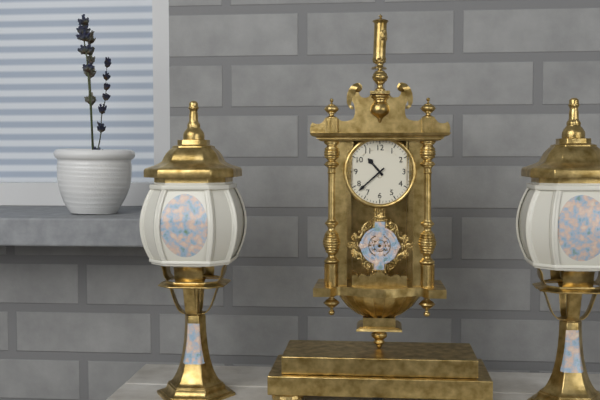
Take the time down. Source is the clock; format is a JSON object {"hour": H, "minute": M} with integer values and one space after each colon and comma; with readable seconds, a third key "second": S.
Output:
{"hour": 10, "minute": 38}
